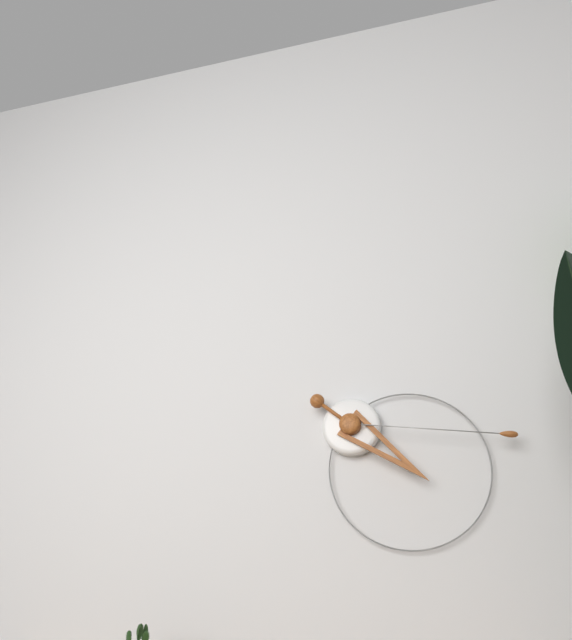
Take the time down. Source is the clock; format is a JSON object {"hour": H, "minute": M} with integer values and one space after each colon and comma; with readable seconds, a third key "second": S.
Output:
{"hour": 4, "minute": 16}
